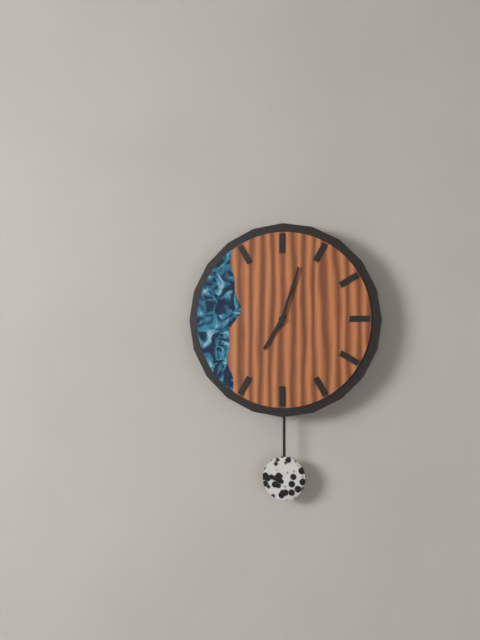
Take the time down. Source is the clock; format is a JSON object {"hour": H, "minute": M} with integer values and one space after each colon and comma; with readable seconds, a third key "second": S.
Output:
{"hour": 7, "minute": 3}
